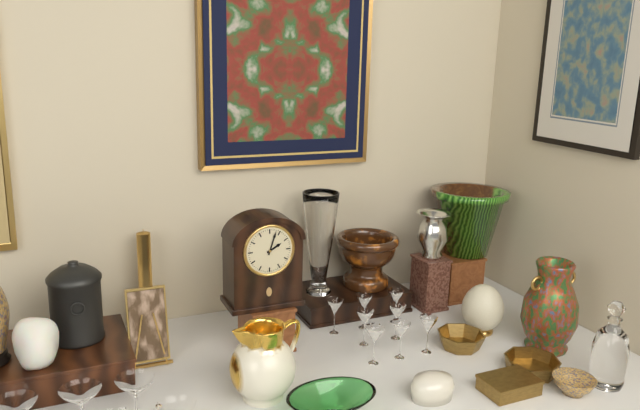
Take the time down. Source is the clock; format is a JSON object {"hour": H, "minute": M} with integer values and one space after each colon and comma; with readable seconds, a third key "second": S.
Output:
{"hour": 2, "minute": 3}
